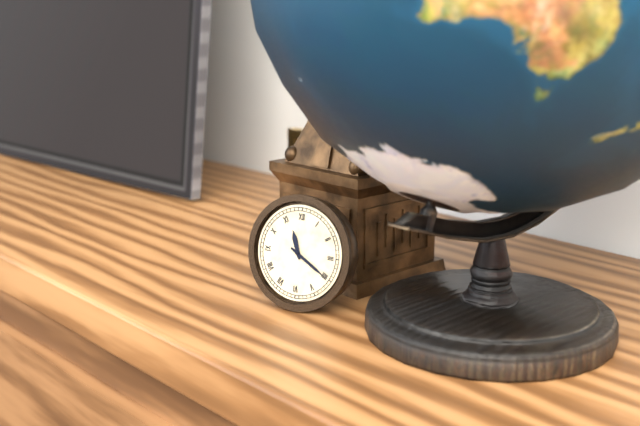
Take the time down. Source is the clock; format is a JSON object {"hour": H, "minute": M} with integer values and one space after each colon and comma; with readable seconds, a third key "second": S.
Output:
{"hour": 11, "minute": 20}
